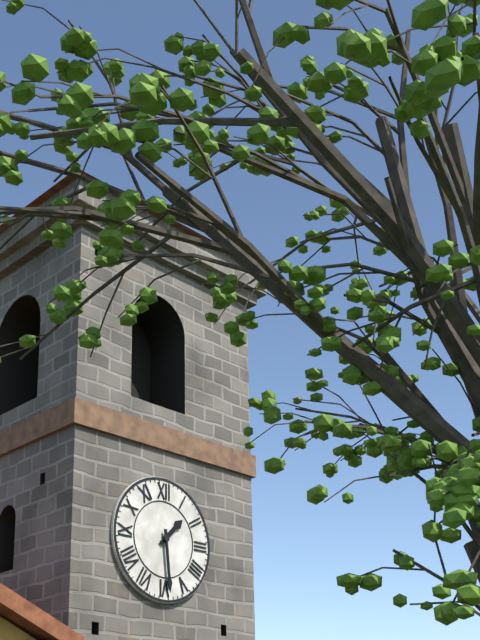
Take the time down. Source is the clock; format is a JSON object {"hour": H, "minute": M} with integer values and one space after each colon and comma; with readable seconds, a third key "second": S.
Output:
{"hour": 1, "minute": 29}
